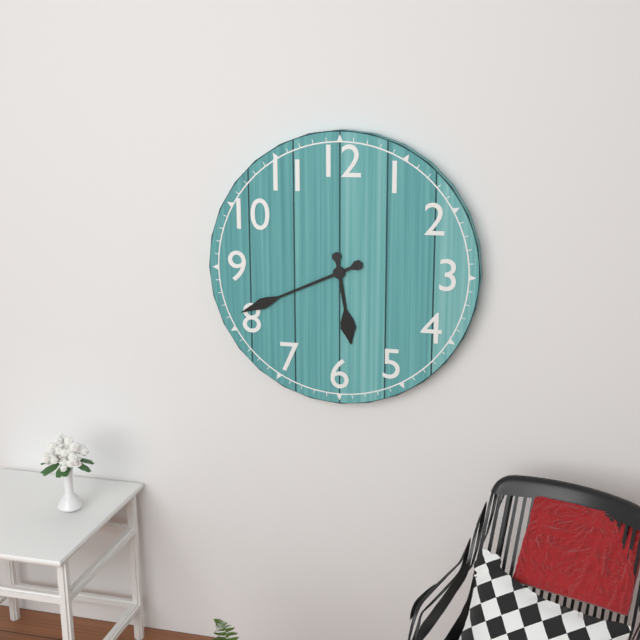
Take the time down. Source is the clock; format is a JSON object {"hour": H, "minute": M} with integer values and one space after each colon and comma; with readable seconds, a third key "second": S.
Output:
{"hour": 5, "minute": 41}
